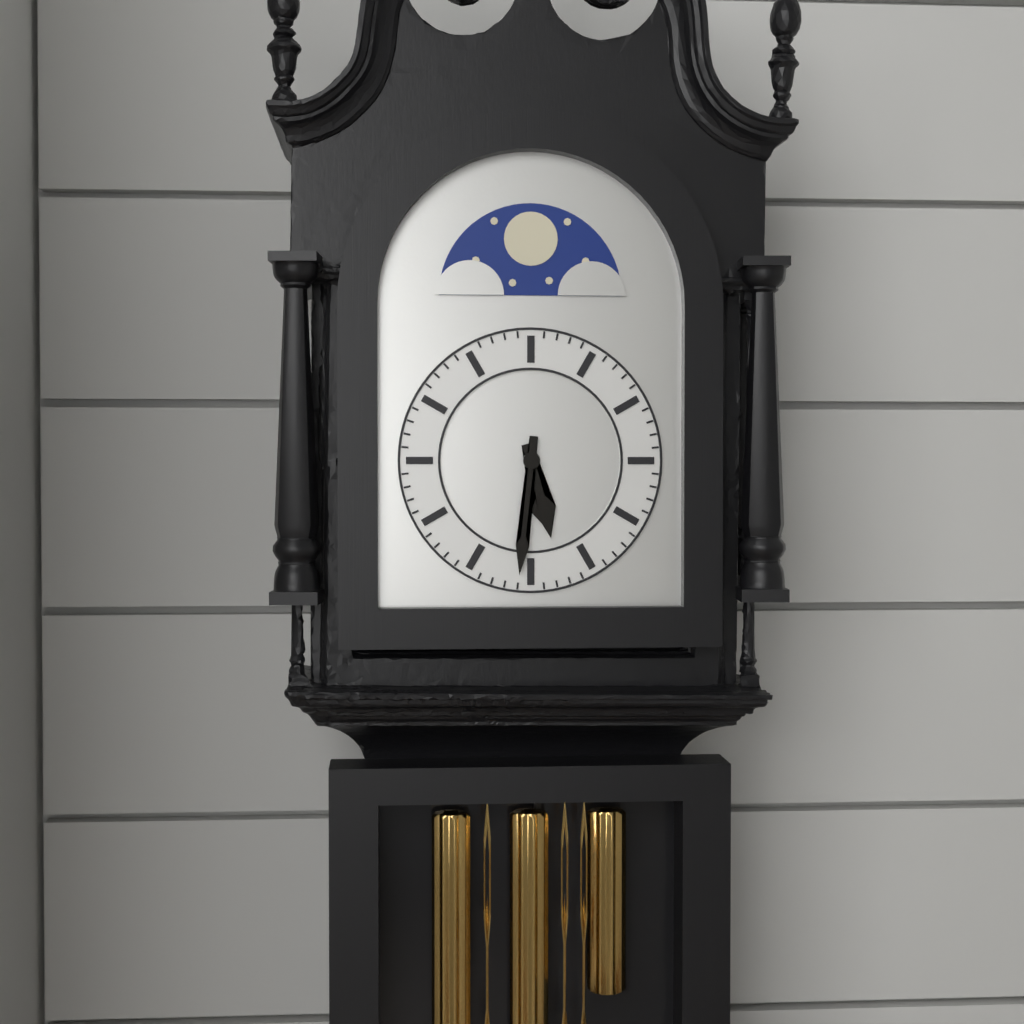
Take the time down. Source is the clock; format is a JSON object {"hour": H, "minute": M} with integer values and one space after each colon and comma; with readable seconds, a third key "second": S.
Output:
{"hour": 5, "minute": 31}
